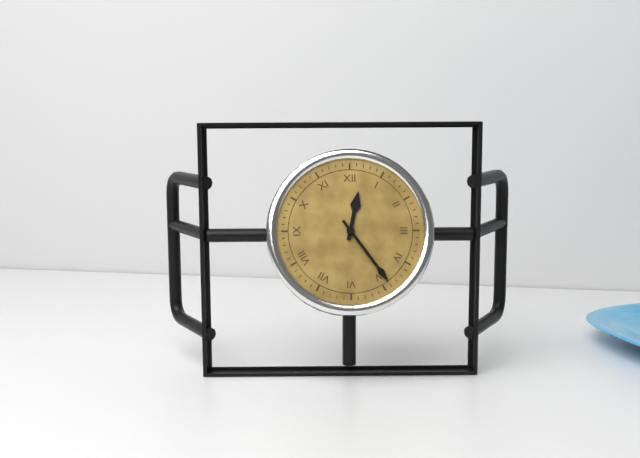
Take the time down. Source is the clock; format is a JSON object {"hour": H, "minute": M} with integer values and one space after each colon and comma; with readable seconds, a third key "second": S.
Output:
{"hour": 12, "minute": 24}
